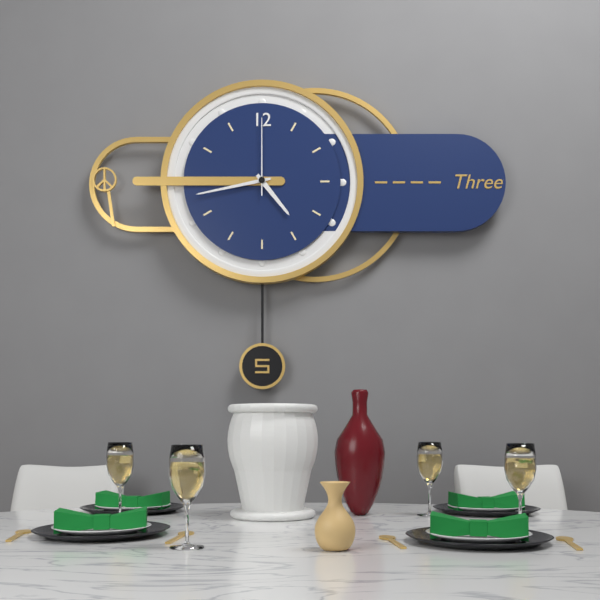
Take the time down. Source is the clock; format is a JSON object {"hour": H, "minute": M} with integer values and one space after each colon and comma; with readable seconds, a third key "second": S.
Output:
{"hour": 4, "minute": 43, "second": 0}
